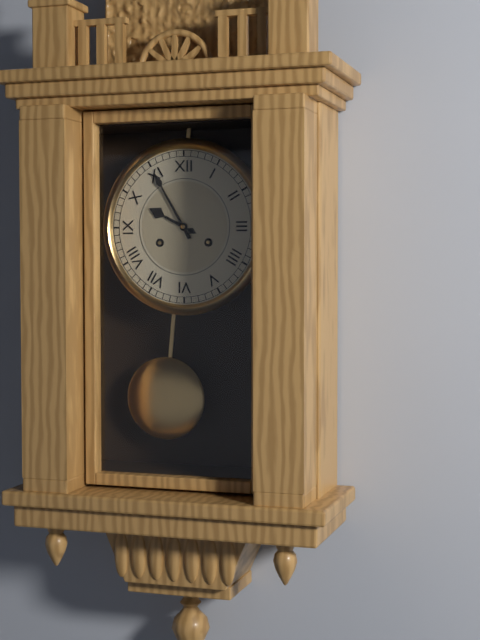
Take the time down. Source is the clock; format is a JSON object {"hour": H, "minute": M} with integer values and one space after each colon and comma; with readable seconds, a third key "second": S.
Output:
{"hour": 9, "minute": 55}
